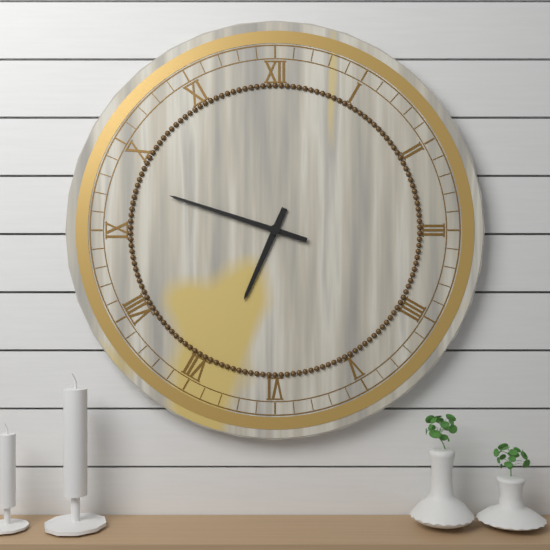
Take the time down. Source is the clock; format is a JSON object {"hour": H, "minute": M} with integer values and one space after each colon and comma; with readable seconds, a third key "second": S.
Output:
{"hour": 6, "minute": 48}
